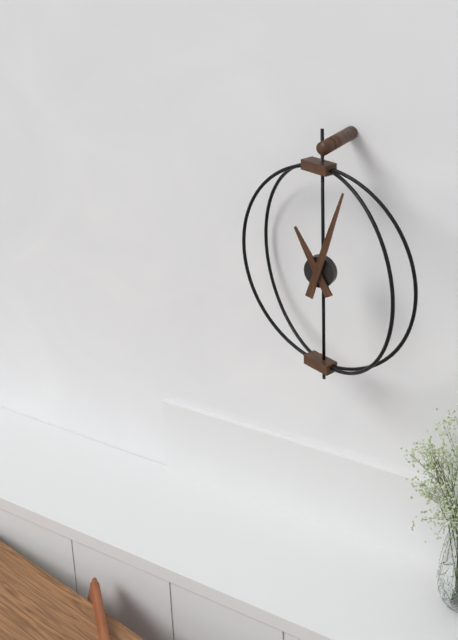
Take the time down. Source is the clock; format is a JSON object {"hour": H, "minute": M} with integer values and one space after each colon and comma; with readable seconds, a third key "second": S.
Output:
{"hour": 11, "minute": 3}
